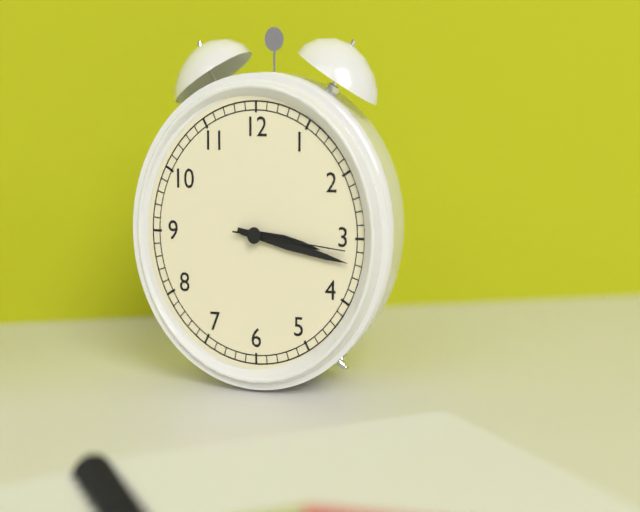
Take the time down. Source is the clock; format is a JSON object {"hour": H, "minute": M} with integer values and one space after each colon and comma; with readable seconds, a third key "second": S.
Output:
{"hour": 3, "minute": 17, "second": 16}
